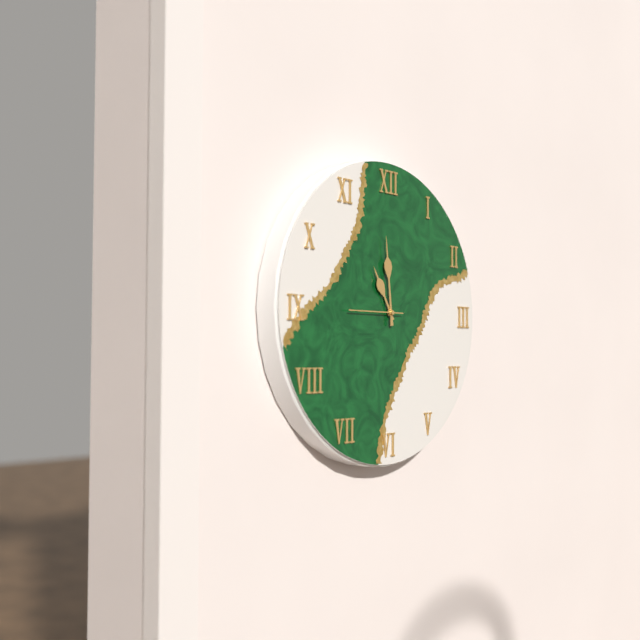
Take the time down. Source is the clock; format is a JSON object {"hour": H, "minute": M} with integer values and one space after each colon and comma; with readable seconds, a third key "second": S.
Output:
{"hour": 10, "minute": 59, "second": 45}
